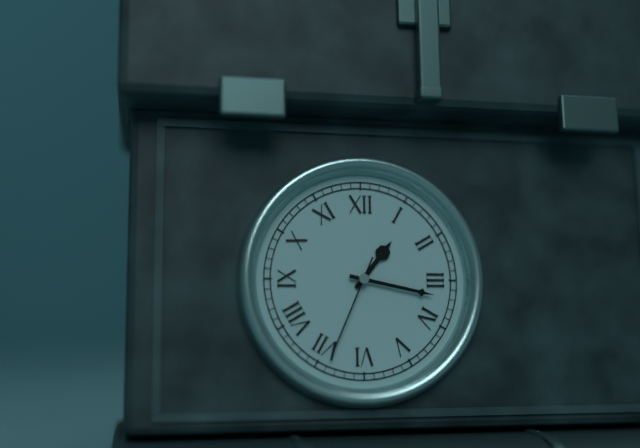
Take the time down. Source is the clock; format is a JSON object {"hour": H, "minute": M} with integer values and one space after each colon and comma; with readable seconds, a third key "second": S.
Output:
{"hour": 1, "minute": 17, "second": 34}
